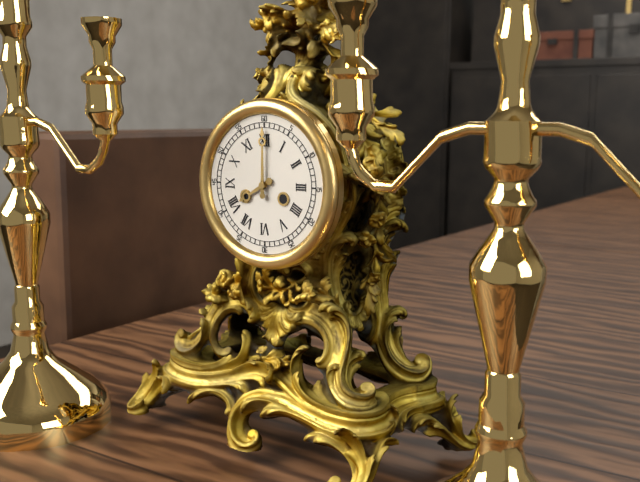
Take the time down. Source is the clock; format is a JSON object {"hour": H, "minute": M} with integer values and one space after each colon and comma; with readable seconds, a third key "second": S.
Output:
{"hour": 8, "minute": 0}
